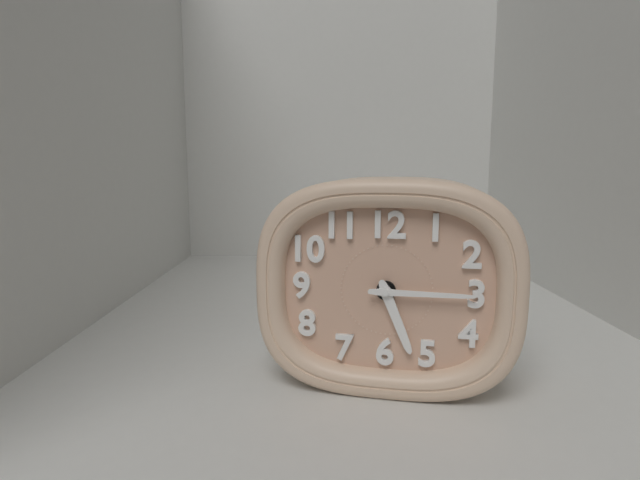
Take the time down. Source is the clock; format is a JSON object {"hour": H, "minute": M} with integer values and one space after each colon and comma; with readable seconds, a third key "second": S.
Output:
{"hour": 5, "minute": 15}
